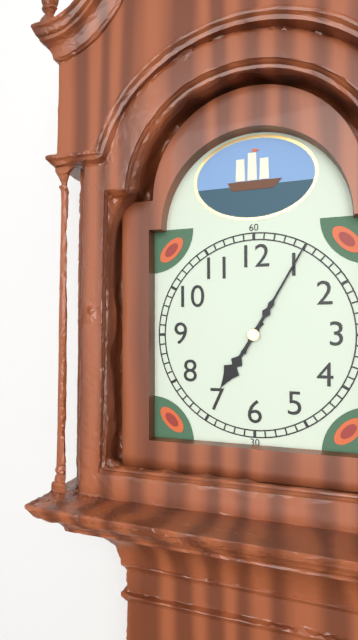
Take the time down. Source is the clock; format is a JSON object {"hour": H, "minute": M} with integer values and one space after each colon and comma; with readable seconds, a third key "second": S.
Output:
{"hour": 7, "minute": 5}
